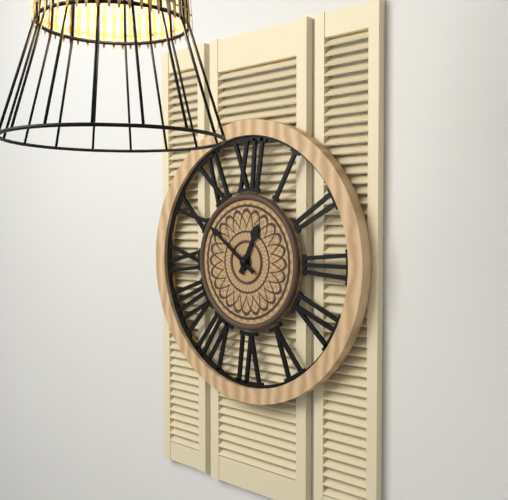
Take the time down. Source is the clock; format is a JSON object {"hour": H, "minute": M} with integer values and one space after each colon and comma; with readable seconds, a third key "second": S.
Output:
{"hour": 12, "minute": 51}
